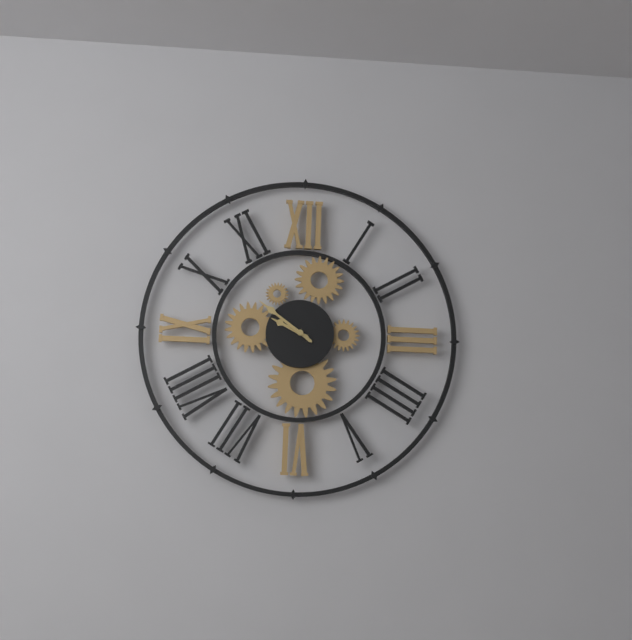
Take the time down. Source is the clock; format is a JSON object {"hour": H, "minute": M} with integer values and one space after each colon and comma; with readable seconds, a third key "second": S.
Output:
{"hour": 9, "minute": 51}
